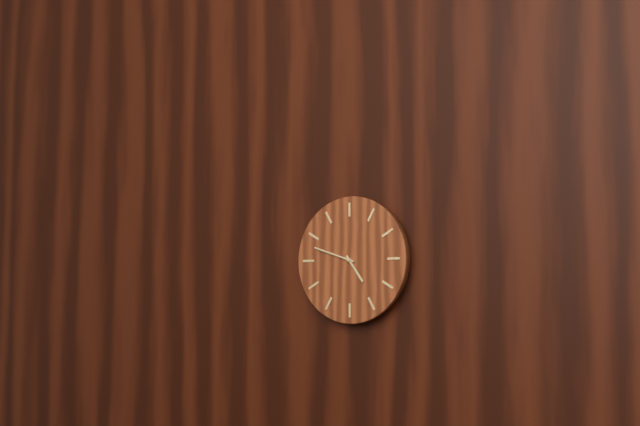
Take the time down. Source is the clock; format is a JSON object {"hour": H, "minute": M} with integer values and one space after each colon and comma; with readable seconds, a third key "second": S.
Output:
{"hour": 4, "minute": 48}
